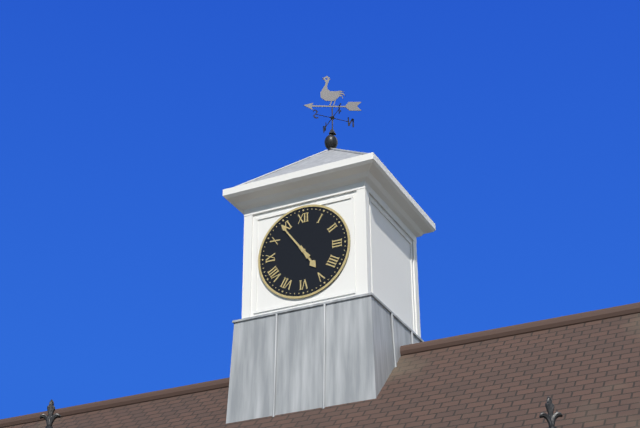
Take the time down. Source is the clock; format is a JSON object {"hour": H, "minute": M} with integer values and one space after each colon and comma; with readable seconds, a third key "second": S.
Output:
{"hour": 4, "minute": 54}
